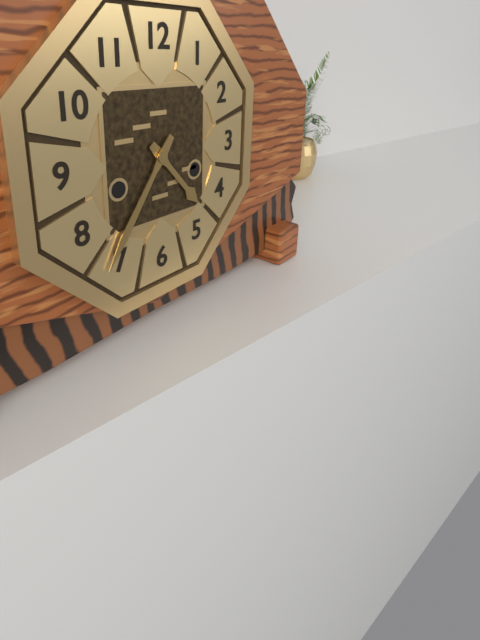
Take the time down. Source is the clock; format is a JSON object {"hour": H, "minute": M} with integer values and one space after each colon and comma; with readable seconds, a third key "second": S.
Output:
{"hour": 4, "minute": 36}
